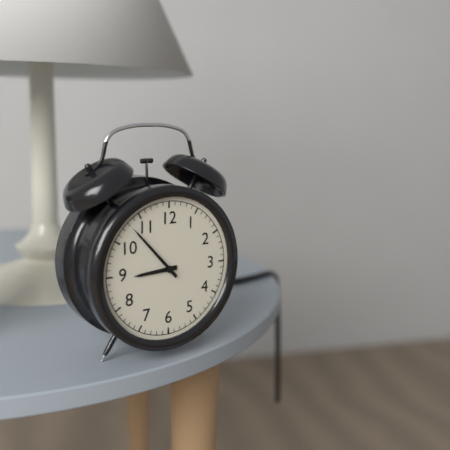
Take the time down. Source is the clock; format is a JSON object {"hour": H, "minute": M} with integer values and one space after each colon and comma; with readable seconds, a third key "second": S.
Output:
{"hour": 8, "minute": 53}
